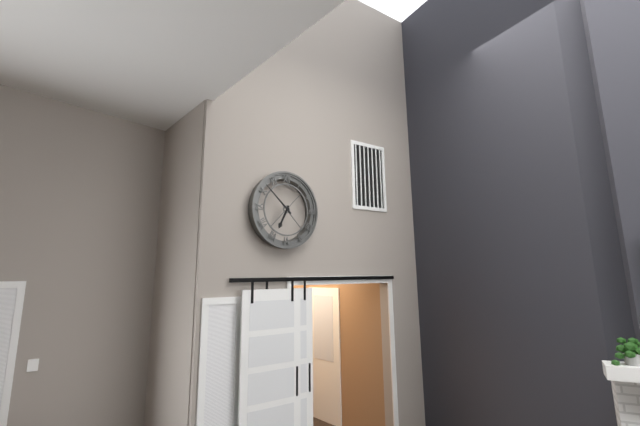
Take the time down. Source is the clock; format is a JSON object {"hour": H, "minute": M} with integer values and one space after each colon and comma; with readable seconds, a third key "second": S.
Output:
{"hour": 6, "minute": 52}
